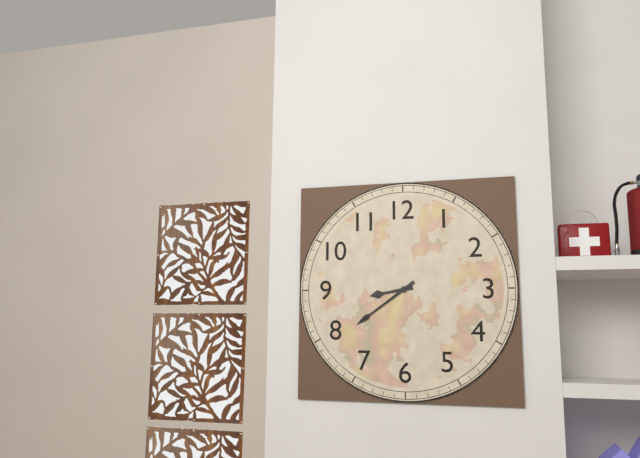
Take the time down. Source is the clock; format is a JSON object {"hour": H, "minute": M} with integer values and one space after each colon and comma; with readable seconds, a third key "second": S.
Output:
{"hour": 8, "minute": 39}
